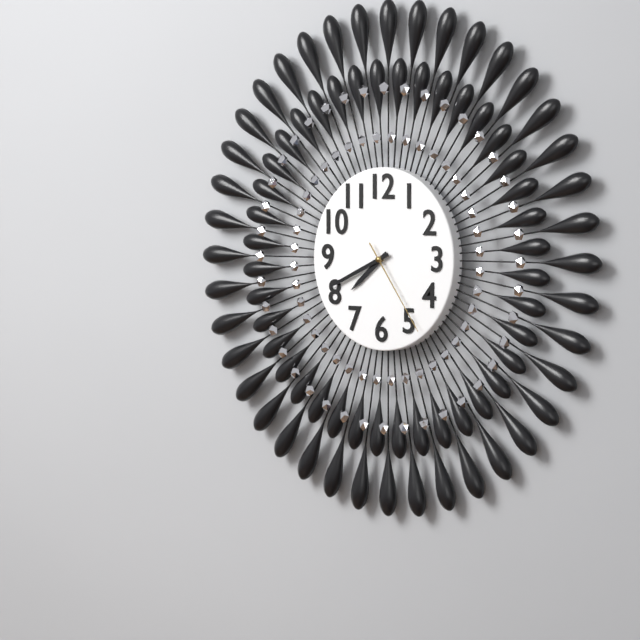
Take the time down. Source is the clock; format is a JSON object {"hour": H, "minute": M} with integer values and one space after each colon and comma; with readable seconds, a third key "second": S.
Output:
{"hour": 7, "minute": 41, "second": 24}
